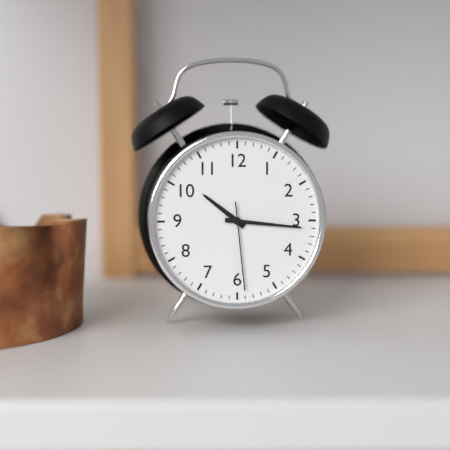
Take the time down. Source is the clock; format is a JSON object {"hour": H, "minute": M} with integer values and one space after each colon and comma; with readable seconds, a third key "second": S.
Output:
{"hour": 10, "minute": 16, "second": 29}
